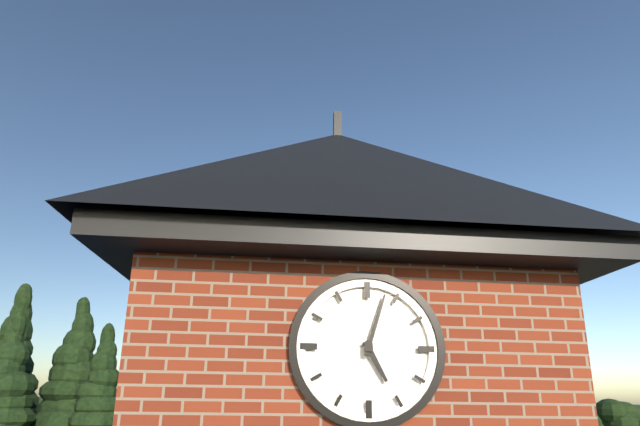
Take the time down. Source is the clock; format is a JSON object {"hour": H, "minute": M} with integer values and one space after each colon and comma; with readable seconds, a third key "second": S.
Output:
{"hour": 5, "minute": 3}
